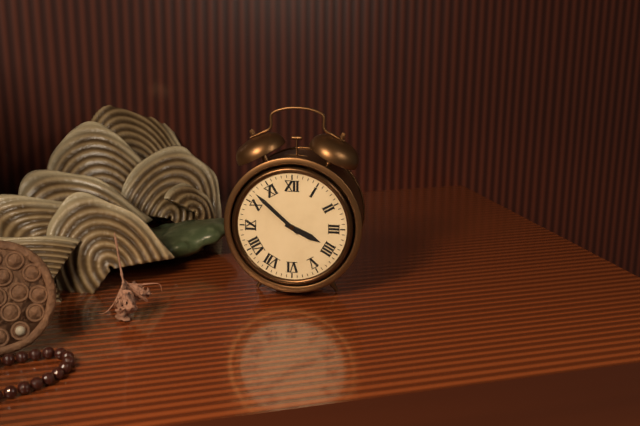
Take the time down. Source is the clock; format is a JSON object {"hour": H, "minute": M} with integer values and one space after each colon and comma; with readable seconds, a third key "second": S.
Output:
{"hour": 3, "minute": 52}
